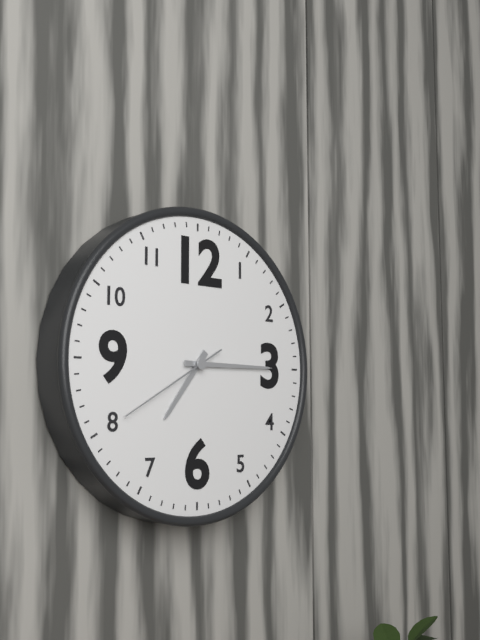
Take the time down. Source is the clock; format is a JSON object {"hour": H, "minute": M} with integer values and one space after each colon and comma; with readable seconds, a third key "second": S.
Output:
{"hour": 7, "minute": 15, "second": 40}
